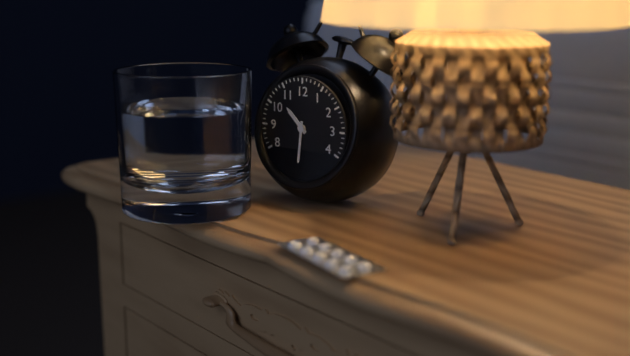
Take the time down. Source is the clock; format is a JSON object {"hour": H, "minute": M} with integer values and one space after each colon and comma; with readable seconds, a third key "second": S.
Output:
{"hour": 10, "minute": 31}
